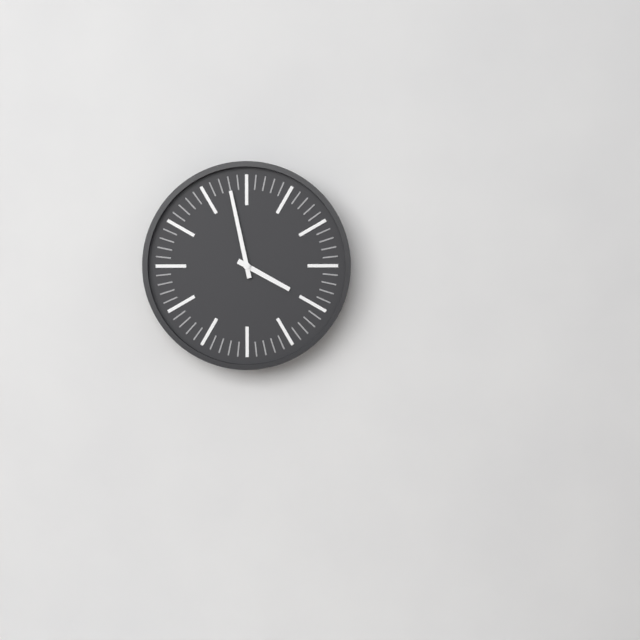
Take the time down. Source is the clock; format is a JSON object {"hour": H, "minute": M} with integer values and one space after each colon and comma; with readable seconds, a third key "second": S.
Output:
{"hour": 3, "minute": 58}
